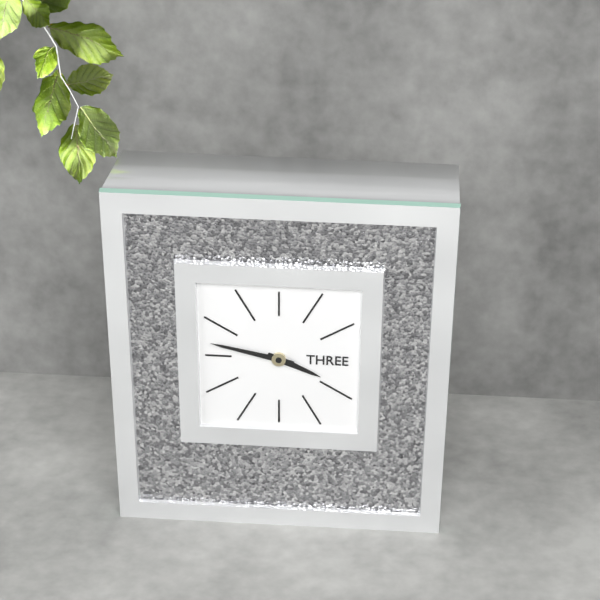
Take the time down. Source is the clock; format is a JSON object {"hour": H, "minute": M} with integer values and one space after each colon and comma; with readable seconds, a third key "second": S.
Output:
{"hour": 3, "minute": 47}
